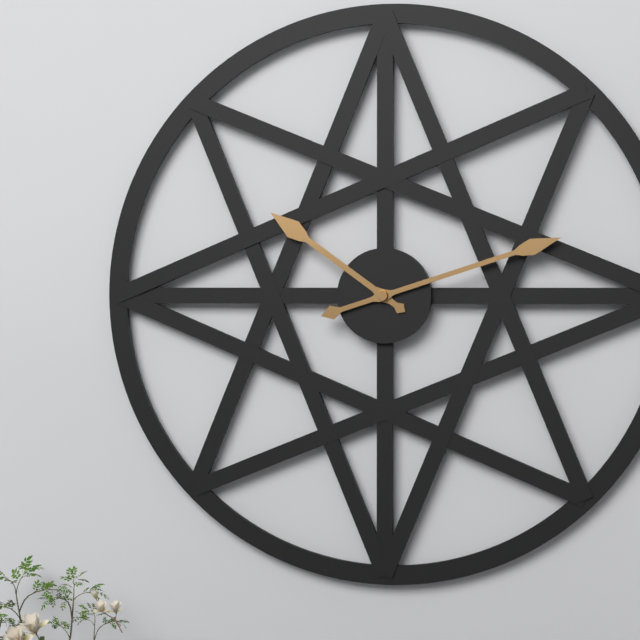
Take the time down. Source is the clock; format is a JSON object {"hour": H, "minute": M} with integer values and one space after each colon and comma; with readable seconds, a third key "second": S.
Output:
{"hour": 10, "minute": 12}
